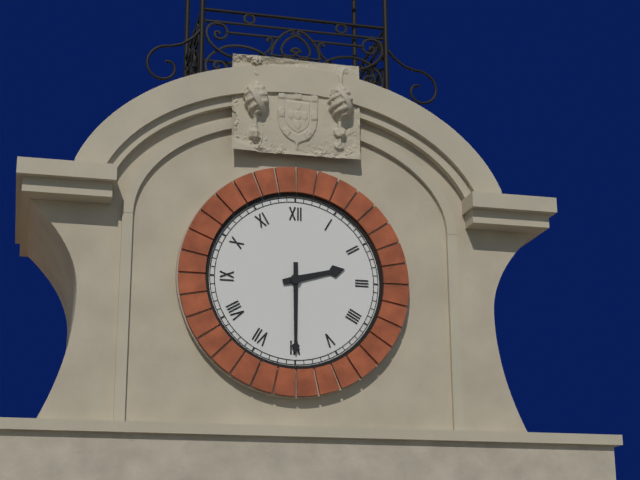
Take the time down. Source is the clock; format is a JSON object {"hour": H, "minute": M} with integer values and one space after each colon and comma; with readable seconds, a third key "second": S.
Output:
{"hour": 2, "minute": 30}
